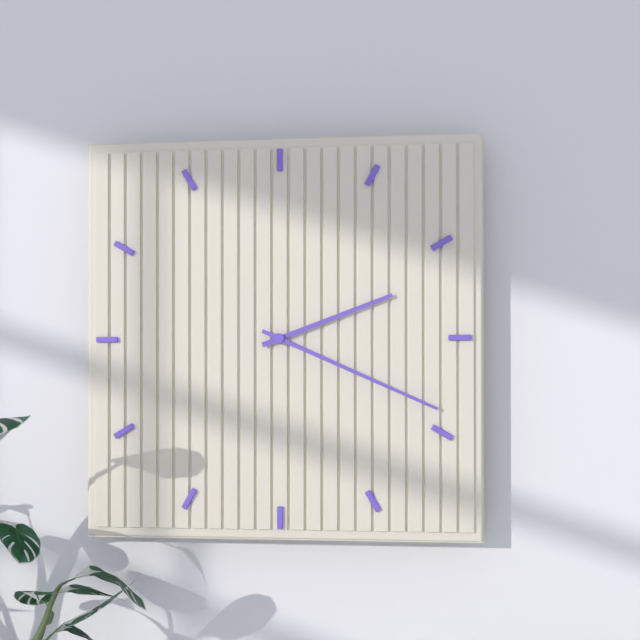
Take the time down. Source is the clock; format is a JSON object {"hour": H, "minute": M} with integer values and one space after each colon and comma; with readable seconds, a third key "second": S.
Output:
{"hour": 2, "minute": 19}
